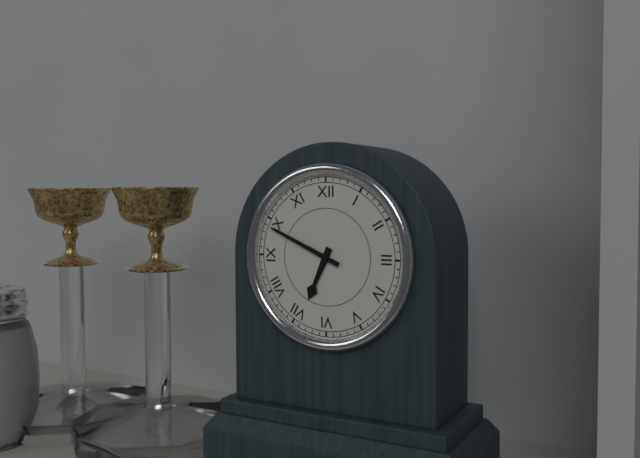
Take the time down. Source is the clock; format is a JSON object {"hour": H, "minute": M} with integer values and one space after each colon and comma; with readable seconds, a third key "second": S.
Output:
{"hour": 6, "minute": 49}
